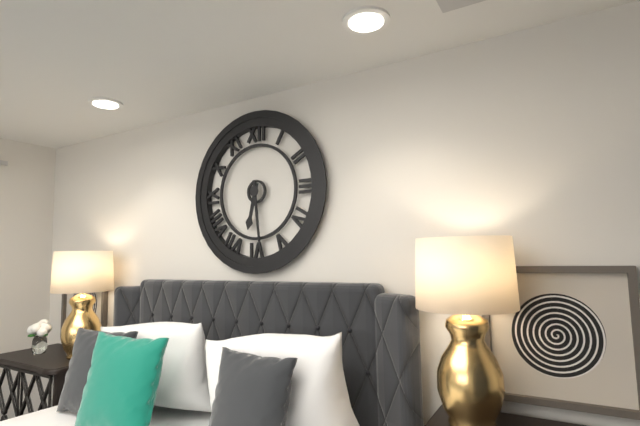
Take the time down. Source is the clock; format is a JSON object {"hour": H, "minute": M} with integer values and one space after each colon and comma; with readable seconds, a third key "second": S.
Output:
{"hour": 6, "minute": 29}
